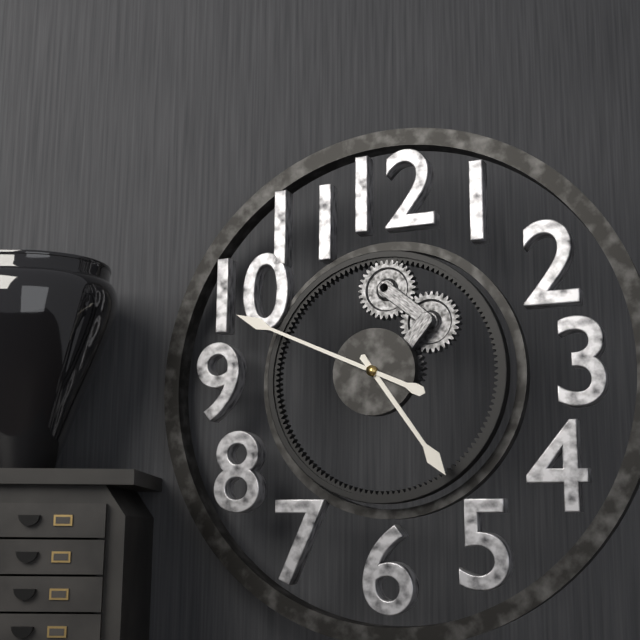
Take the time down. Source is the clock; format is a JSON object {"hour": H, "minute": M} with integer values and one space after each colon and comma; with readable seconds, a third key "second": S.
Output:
{"hour": 4, "minute": 49}
